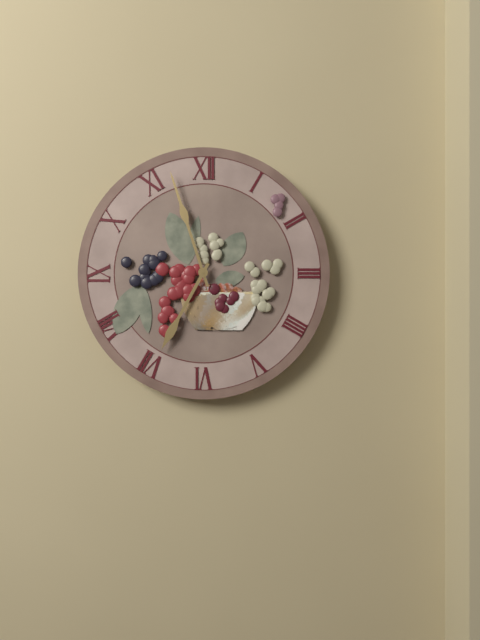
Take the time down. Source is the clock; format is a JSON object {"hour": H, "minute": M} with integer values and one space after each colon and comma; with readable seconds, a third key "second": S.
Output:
{"hour": 6, "minute": 57}
